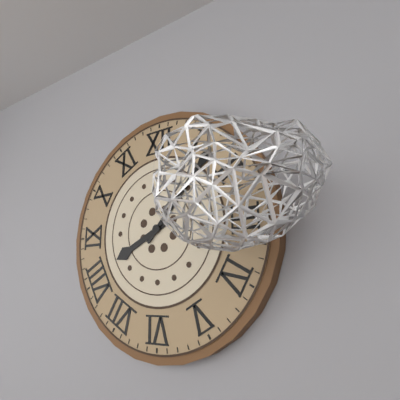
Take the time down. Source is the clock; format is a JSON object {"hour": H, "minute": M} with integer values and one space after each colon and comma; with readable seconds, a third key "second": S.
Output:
{"hour": 8, "minute": 7}
